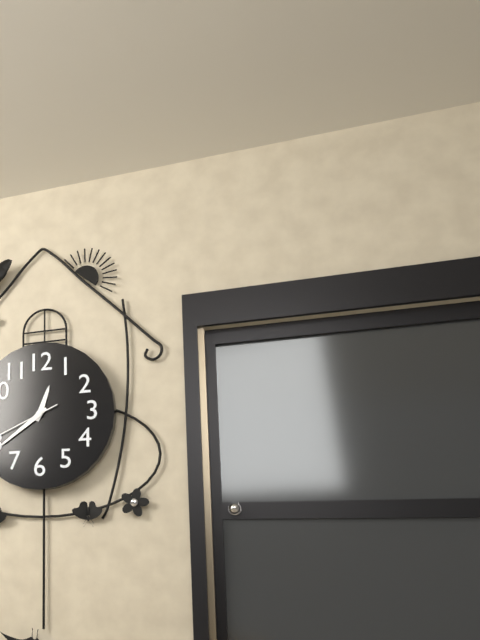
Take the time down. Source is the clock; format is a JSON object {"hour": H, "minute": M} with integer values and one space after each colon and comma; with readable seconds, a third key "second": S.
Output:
{"hour": 12, "minute": 39}
